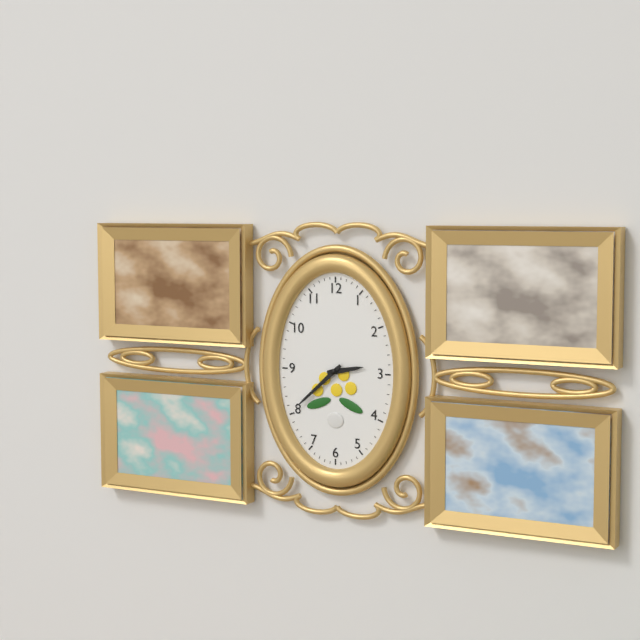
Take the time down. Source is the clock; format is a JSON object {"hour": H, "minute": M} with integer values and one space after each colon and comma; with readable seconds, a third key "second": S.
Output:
{"hour": 2, "minute": 38}
